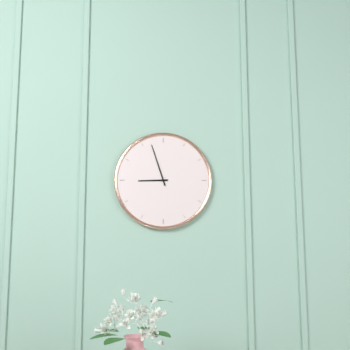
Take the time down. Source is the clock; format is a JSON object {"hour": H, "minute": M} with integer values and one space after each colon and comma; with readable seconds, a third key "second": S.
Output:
{"hour": 8, "minute": 57}
